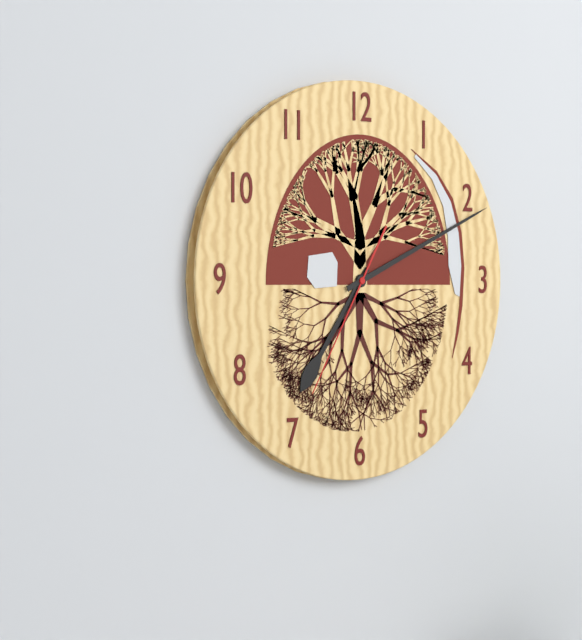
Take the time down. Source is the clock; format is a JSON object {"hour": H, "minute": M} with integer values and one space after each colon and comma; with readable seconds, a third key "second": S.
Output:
{"hour": 7, "minute": 11, "second": 35}
